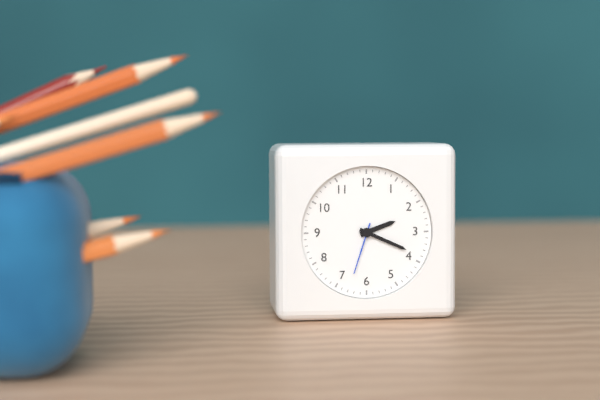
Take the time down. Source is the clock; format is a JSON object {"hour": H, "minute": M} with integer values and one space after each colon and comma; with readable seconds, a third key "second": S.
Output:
{"hour": 2, "minute": 19, "second": 33}
